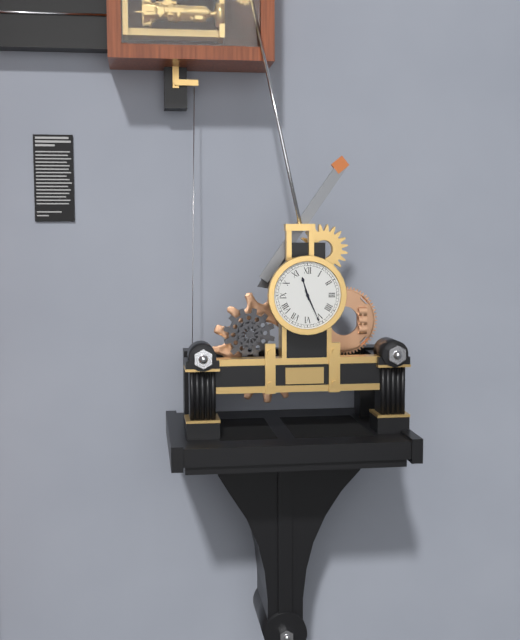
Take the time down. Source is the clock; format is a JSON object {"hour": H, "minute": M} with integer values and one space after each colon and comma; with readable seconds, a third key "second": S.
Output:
{"hour": 11, "minute": 26}
